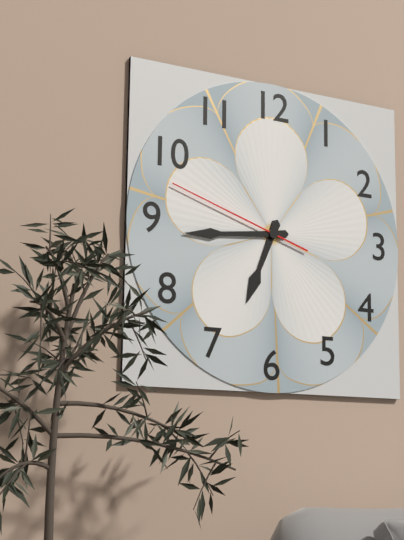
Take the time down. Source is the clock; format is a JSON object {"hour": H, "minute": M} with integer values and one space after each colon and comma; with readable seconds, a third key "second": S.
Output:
{"hour": 6, "minute": 44, "second": 48}
